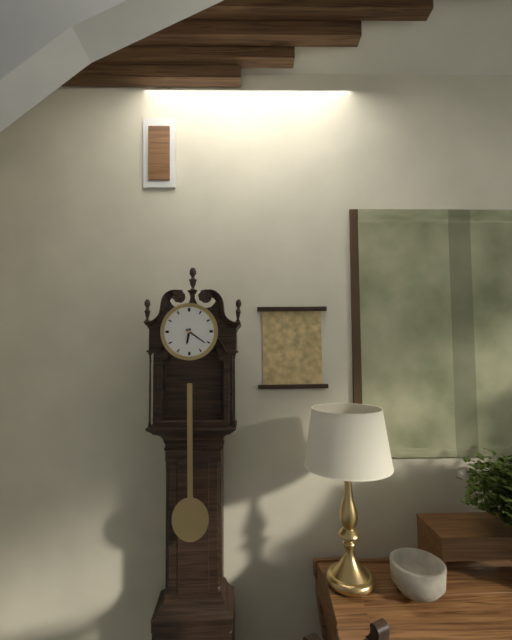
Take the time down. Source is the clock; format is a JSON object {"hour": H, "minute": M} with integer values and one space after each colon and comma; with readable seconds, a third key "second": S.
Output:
{"hour": 6, "minute": 21}
